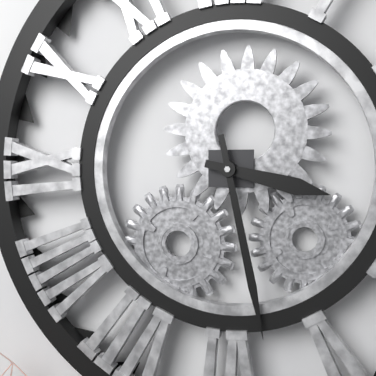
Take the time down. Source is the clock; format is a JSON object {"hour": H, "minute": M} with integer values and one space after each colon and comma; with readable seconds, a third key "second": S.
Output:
{"hour": 3, "minute": 28}
